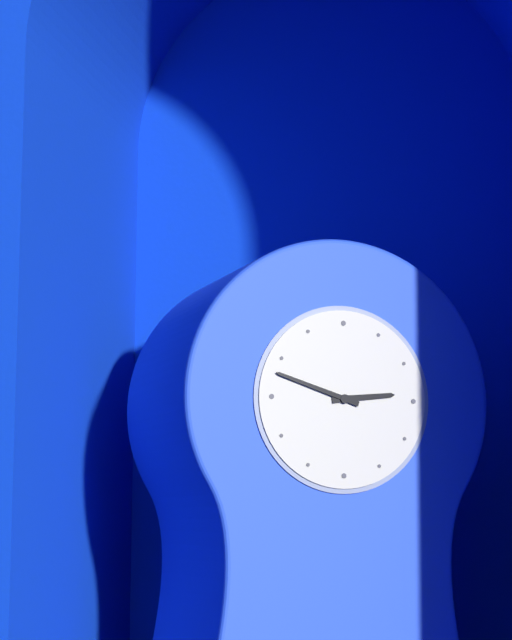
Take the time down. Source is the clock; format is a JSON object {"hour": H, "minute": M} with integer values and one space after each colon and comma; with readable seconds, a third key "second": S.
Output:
{"hour": 2, "minute": 48}
